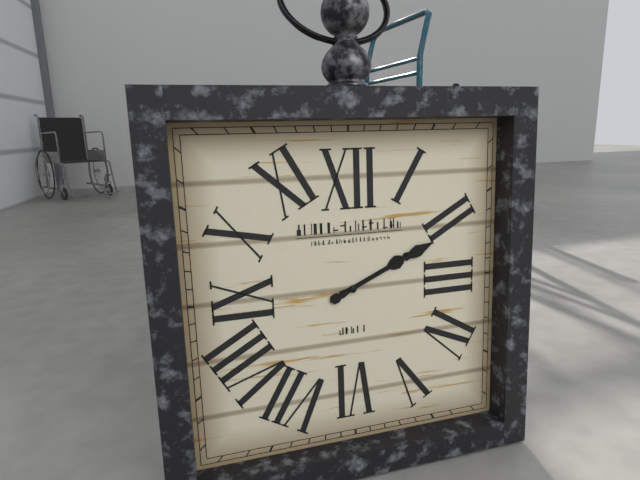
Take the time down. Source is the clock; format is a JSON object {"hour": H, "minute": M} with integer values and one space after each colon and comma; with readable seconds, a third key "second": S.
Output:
{"hour": 2, "minute": 11}
